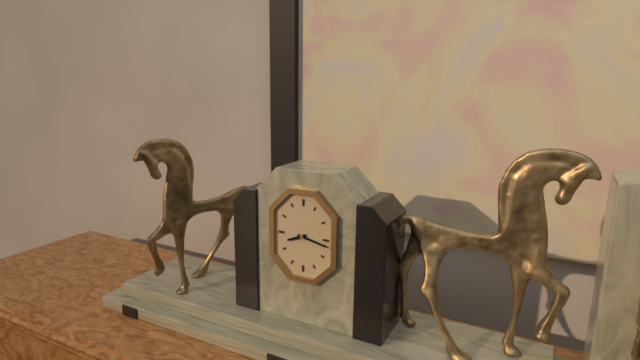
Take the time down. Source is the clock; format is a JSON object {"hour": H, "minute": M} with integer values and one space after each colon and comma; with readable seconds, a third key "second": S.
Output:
{"hour": 8, "minute": 17}
